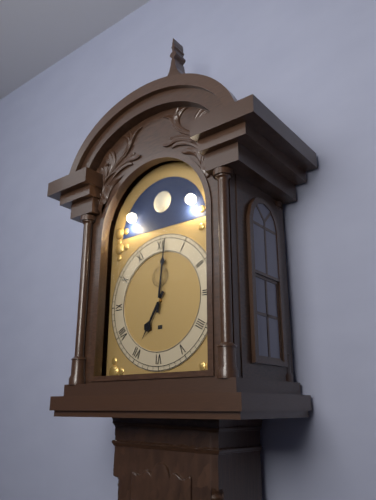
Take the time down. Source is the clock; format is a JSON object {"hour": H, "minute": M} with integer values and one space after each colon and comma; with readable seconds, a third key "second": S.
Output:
{"hour": 7, "minute": 1}
